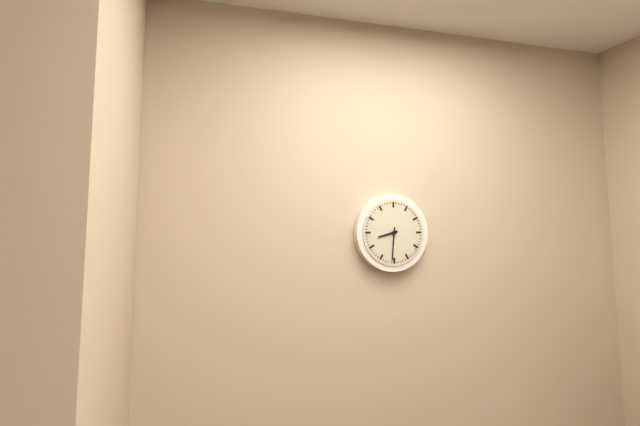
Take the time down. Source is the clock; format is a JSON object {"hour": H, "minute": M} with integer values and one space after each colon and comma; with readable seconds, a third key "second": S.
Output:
{"hour": 8, "minute": 31}
